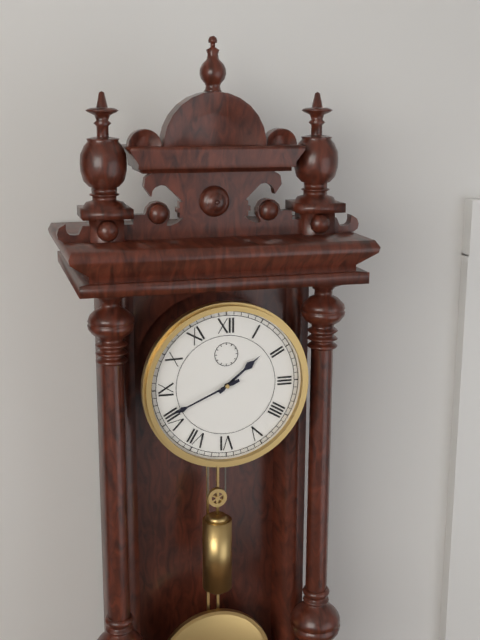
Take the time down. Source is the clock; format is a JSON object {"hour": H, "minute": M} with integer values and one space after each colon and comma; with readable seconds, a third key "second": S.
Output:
{"hour": 1, "minute": 41}
